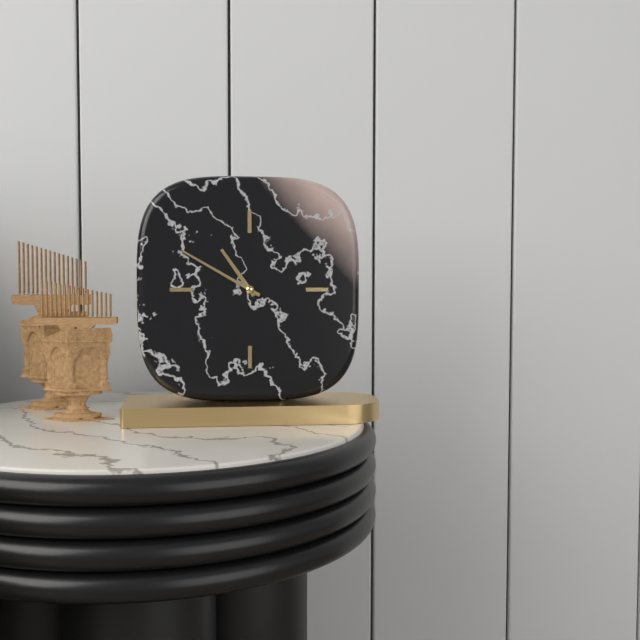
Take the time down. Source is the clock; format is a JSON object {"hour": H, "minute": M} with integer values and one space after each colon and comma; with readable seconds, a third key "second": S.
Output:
{"hour": 10, "minute": 50}
